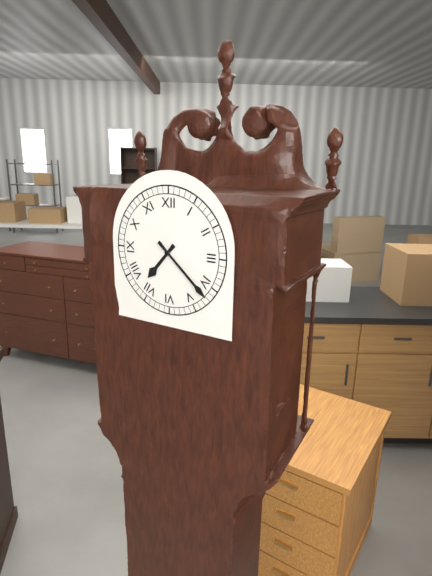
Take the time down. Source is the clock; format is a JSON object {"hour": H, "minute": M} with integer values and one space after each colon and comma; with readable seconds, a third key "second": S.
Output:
{"hour": 7, "minute": 22}
